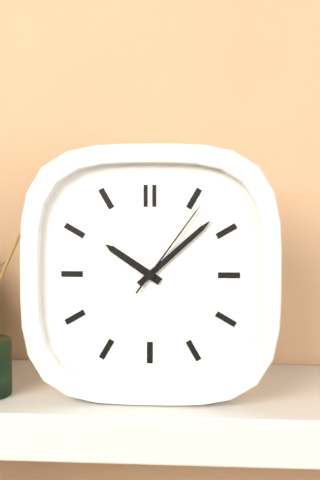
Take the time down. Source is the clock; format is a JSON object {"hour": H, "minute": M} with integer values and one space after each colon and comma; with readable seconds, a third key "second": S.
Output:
{"hour": 10, "minute": 8, "second": 6}
